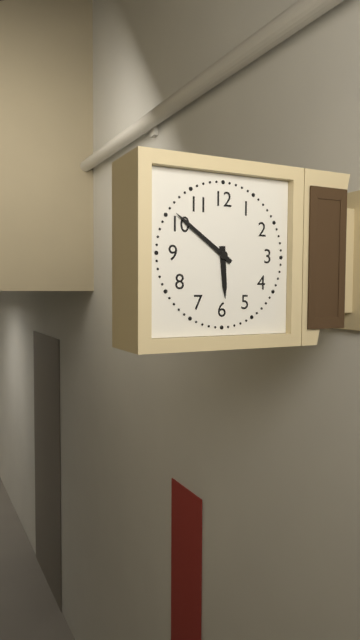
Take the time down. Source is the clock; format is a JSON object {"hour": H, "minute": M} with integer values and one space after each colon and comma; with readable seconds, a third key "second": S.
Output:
{"hour": 5, "minute": 51}
